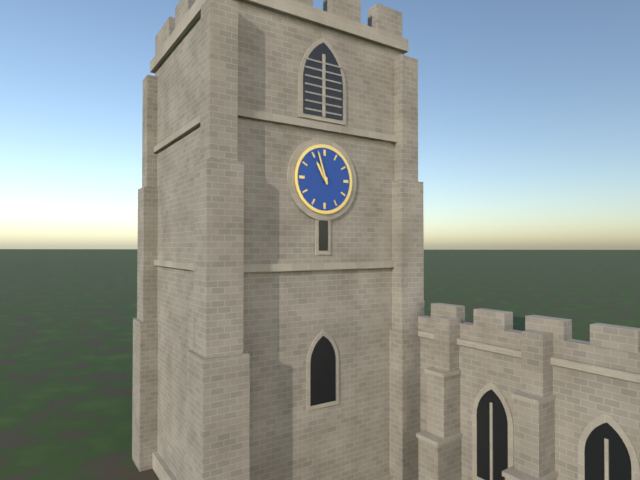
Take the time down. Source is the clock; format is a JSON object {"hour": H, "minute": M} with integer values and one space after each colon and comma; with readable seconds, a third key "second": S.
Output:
{"hour": 10, "minute": 57}
